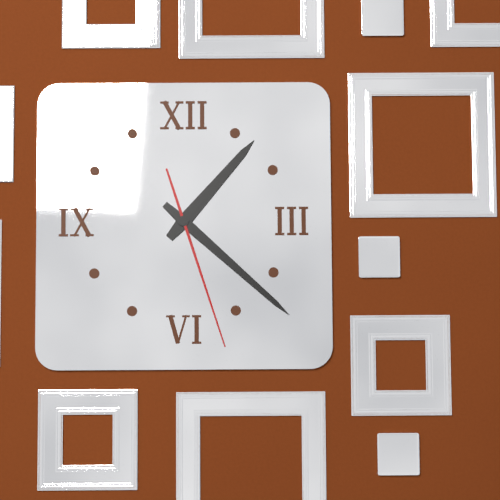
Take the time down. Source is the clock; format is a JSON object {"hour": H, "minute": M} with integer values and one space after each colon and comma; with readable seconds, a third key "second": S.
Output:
{"hour": 1, "minute": 22, "second": 27}
